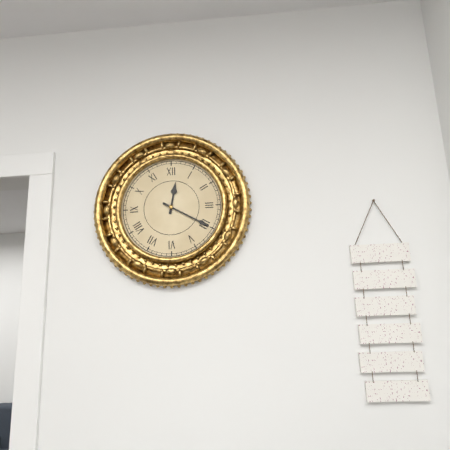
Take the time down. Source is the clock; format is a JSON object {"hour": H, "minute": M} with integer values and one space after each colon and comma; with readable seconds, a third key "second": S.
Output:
{"hour": 12, "minute": 20}
